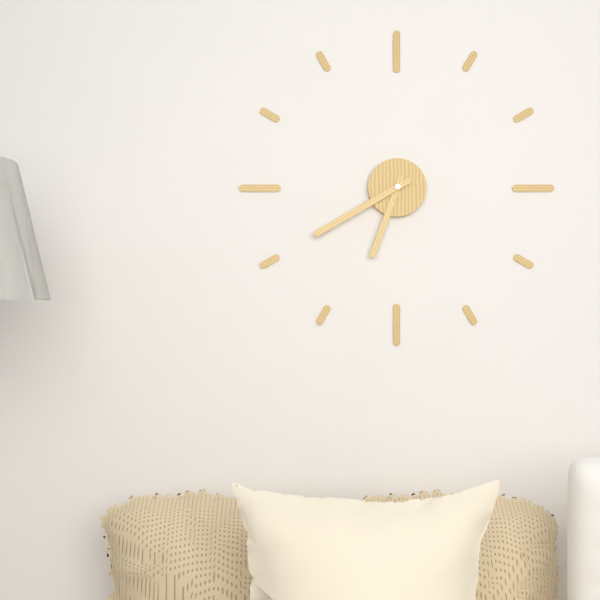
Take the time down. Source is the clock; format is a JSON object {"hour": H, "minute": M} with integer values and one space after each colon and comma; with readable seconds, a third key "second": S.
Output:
{"hour": 6, "minute": 40}
